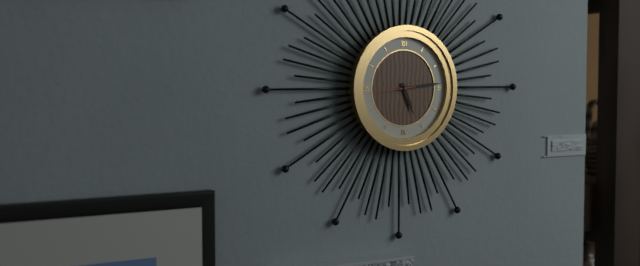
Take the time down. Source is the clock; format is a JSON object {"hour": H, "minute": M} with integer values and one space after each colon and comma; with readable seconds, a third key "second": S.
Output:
{"hour": 5, "minute": 14}
